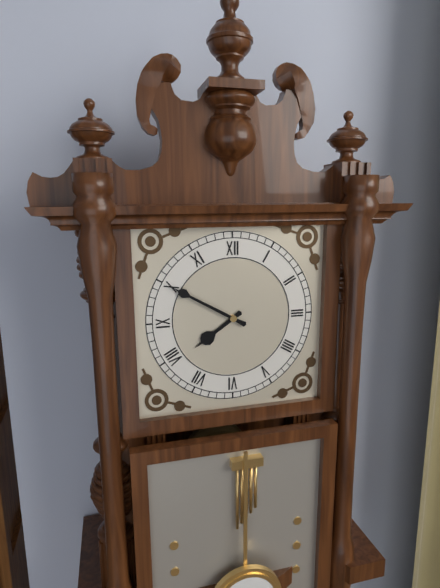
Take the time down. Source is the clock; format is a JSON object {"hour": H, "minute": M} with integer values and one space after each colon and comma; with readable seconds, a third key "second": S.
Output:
{"hour": 7, "minute": 50}
